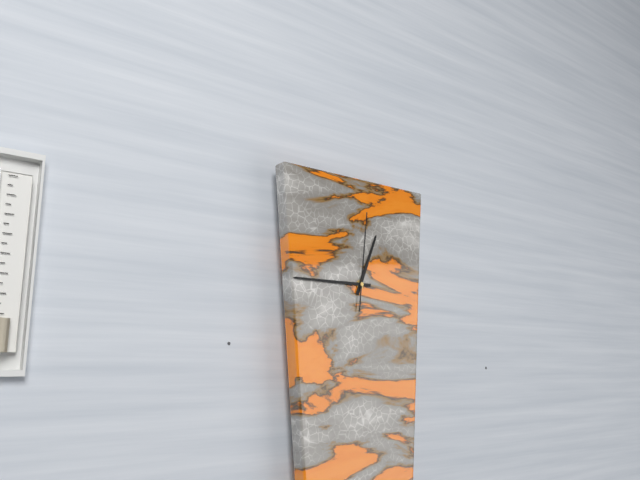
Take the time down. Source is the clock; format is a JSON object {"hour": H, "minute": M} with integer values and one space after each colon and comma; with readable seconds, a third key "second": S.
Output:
{"hour": 12, "minute": 45, "second": 1}
